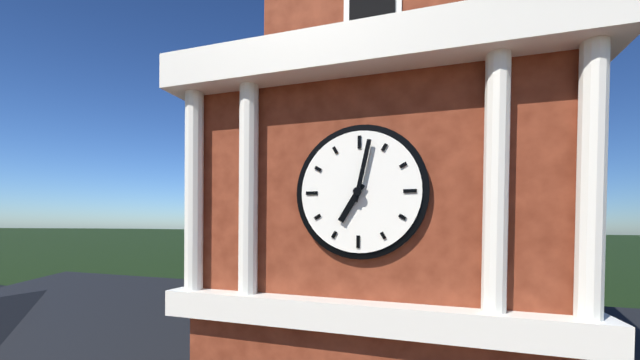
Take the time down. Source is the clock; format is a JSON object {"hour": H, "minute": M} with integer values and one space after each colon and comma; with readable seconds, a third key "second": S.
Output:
{"hour": 7, "minute": 2}
